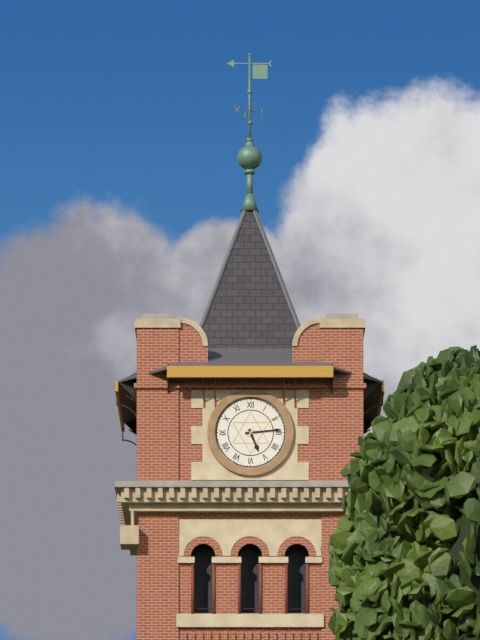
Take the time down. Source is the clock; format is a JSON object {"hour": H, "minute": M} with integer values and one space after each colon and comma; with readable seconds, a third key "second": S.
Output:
{"hour": 5, "minute": 14}
